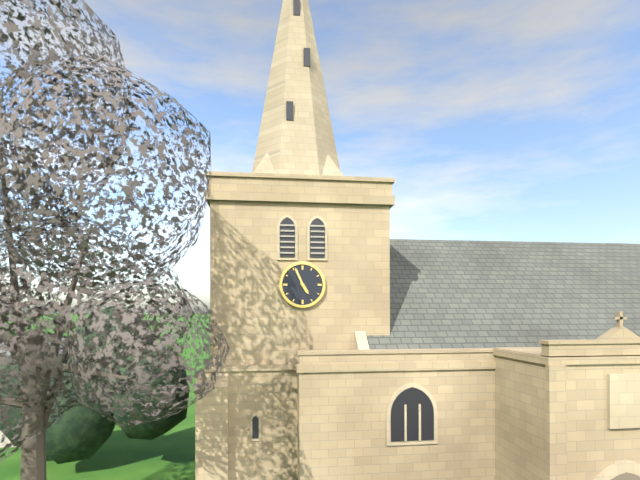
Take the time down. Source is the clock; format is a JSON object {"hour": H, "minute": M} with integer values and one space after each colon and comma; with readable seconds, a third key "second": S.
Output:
{"hour": 4, "minute": 56}
